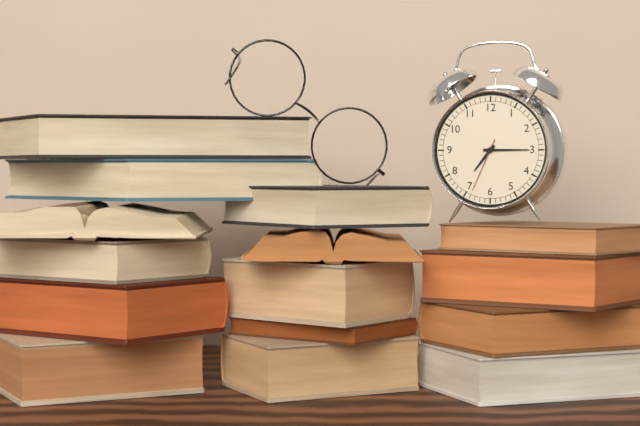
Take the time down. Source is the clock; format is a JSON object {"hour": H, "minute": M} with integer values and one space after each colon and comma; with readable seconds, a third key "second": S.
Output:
{"hour": 7, "minute": 15, "second": 34}
